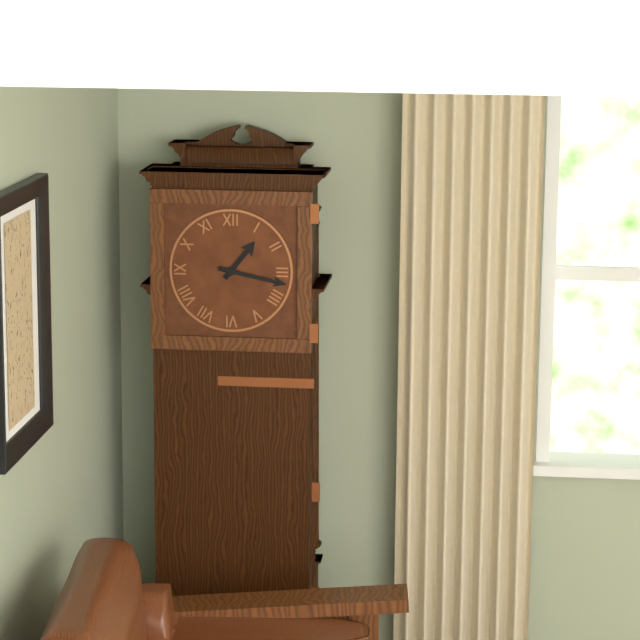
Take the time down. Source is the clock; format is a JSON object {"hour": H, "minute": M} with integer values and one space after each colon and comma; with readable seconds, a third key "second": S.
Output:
{"hour": 1, "minute": 17}
